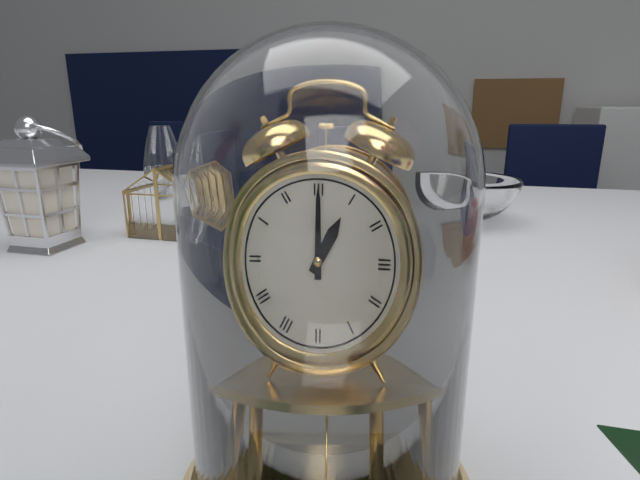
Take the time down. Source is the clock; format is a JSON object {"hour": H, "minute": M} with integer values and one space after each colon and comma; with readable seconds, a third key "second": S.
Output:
{"hour": 1, "minute": 0}
